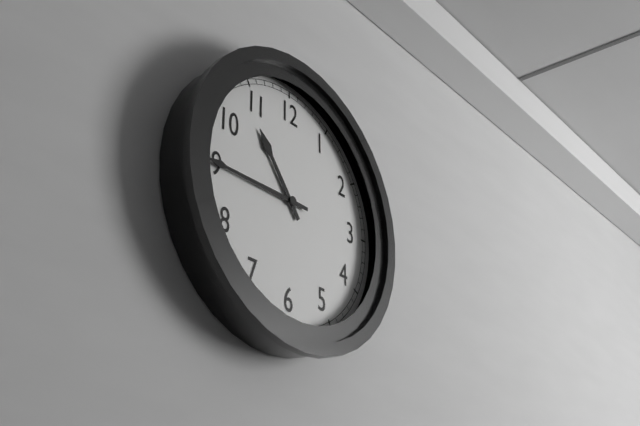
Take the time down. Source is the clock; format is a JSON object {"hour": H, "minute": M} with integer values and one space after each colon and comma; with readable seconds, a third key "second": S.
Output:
{"hour": 10, "minute": 45}
